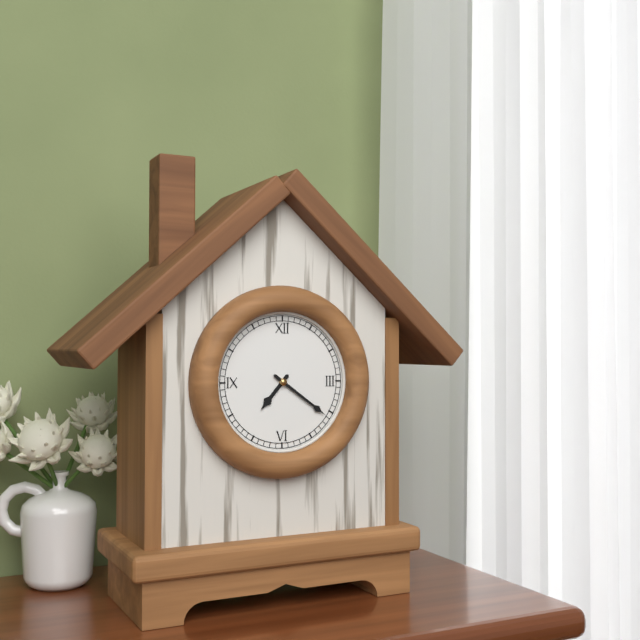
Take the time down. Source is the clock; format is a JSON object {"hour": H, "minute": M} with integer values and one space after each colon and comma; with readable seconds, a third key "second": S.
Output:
{"hour": 7, "minute": 21}
